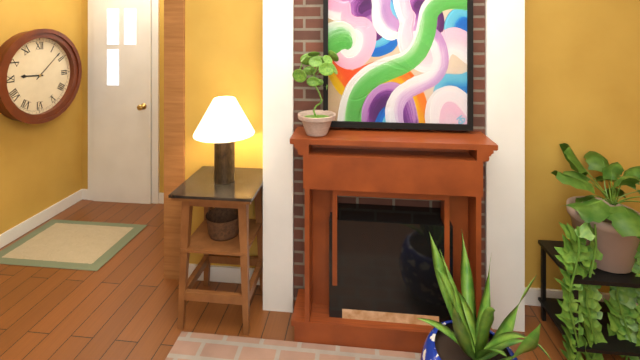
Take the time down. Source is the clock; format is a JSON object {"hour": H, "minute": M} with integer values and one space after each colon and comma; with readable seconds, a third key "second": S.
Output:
{"hour": 9, "minute": 8}
